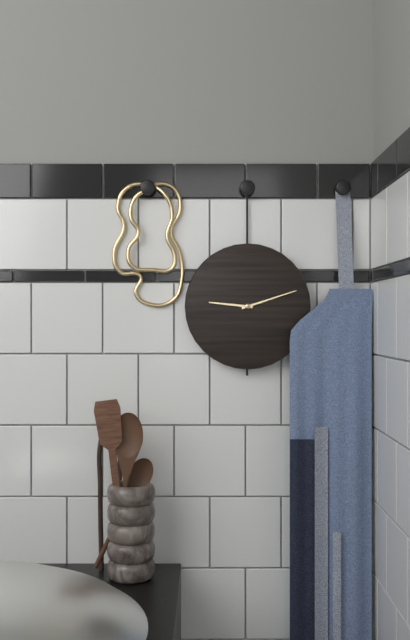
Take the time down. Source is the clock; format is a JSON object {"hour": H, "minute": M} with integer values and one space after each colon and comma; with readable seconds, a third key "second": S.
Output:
{"hour": 9, "minute": 12}
